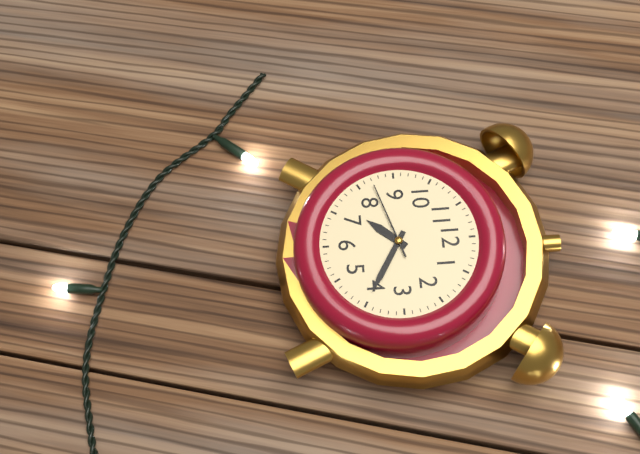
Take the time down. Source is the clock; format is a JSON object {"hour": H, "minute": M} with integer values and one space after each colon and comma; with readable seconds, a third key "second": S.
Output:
{"hour": 7, "minute": 20, "second": 42}
